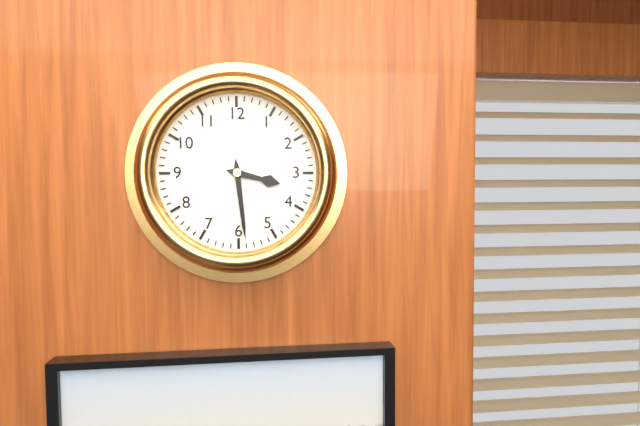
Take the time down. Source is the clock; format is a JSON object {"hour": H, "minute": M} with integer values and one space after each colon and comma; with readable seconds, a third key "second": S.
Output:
{"hour": 3, "minute": 29}
